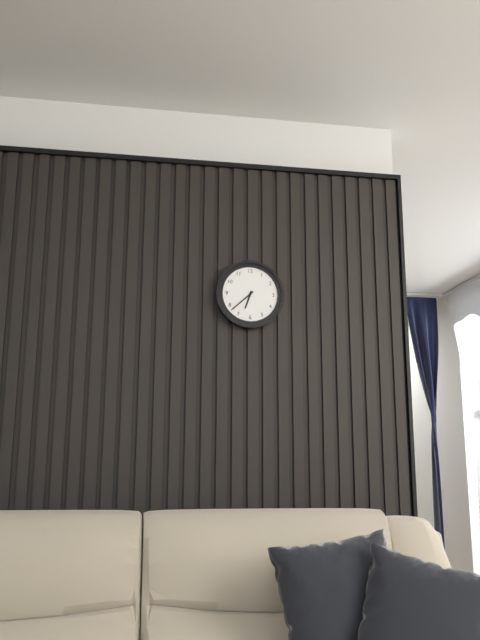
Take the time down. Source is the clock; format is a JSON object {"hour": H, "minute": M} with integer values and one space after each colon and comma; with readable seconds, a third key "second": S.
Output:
{"hour": 6, "minute": 38}
